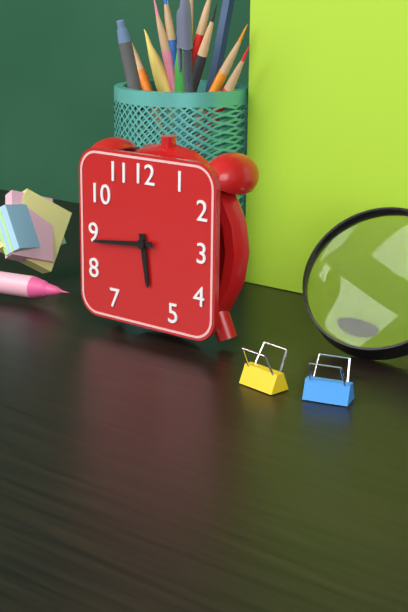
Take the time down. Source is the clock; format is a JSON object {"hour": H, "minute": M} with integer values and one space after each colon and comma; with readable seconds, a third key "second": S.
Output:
{"hour": 5, "minute": 44}
